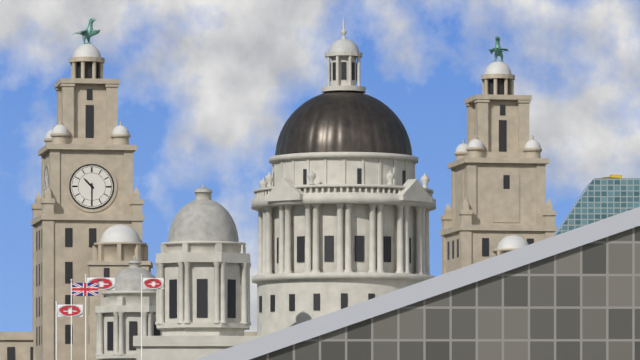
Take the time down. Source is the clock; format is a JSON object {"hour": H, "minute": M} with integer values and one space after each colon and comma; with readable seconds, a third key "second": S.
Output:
{"hour": 10, "minute": 30}
